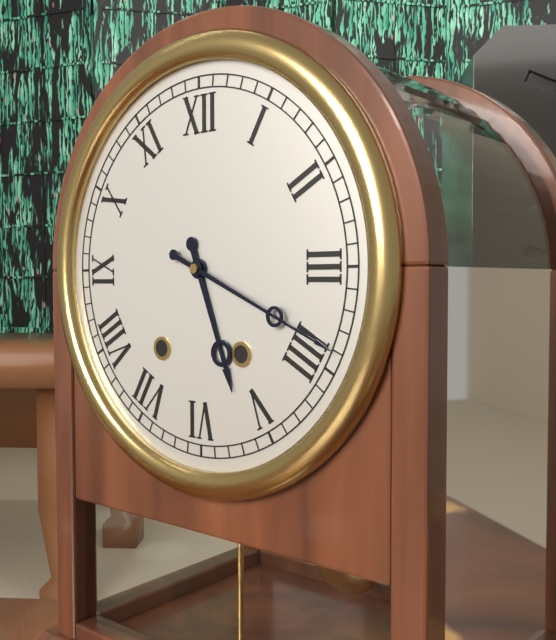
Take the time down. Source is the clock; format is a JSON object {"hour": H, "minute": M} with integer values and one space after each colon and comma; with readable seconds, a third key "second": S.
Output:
{"hour": 5, "minute": 19}
